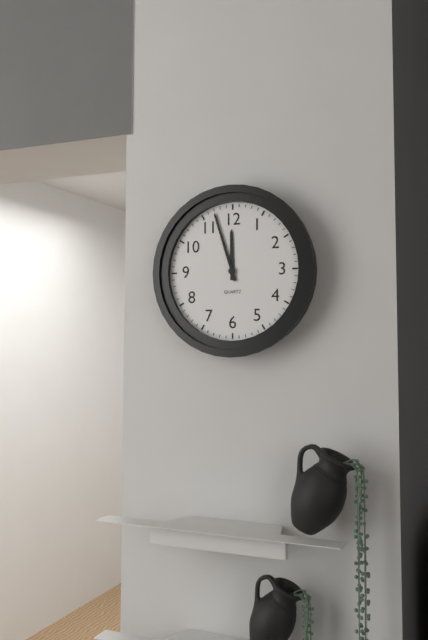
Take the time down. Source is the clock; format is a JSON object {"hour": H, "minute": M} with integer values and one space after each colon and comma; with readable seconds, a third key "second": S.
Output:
{"hour": 11, "minute": 57}
